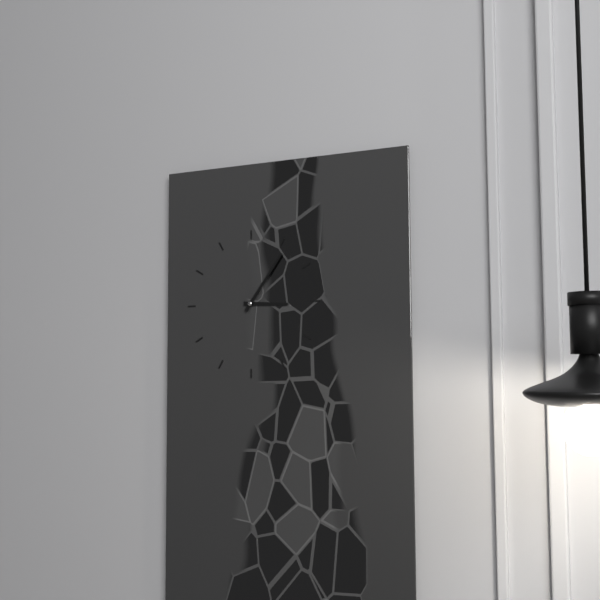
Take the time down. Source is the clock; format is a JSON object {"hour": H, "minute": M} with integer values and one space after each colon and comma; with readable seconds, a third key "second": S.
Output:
{"hour": 3, "minute": 6}
